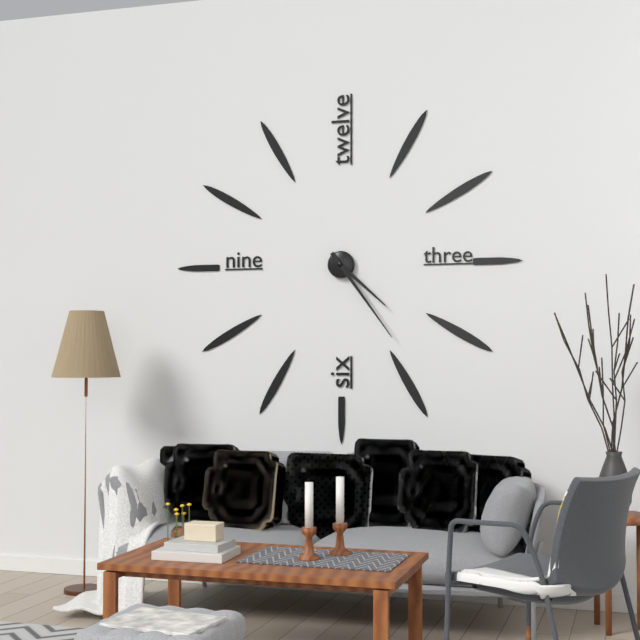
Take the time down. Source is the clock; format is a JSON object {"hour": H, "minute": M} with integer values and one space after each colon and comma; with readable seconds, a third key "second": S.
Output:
{"hour": 4, "minute": 24}
